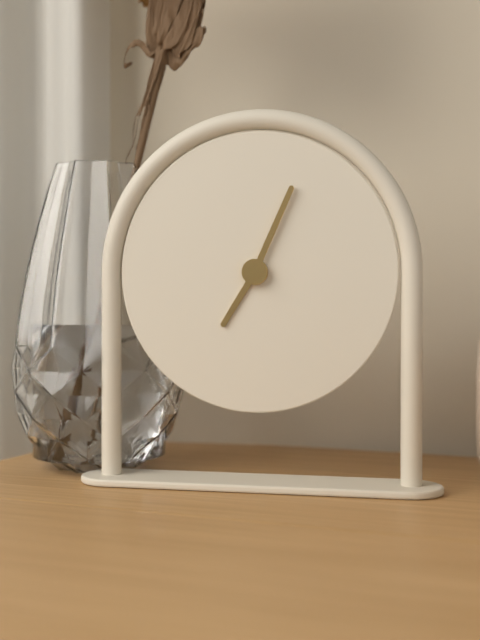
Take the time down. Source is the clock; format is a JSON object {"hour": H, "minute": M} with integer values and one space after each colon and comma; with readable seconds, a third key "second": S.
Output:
{"hour": 7, "minute": 4}
